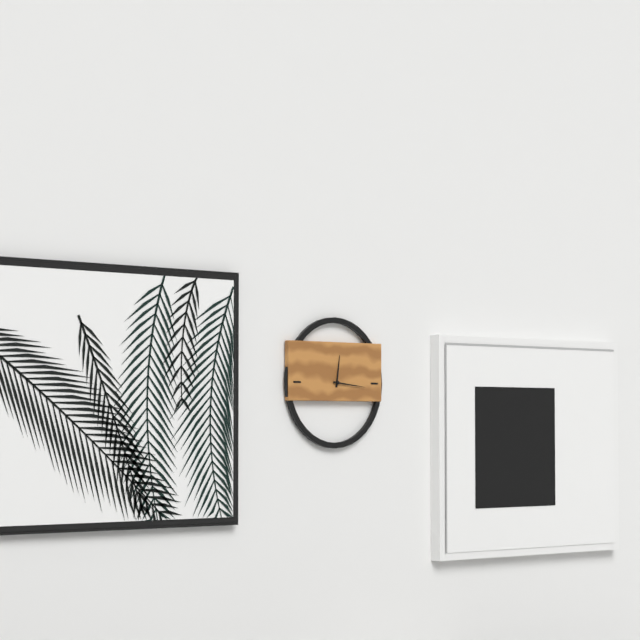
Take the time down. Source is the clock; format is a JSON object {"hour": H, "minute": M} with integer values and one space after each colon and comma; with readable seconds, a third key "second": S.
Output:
{"hour": 12, "minute": 16}
